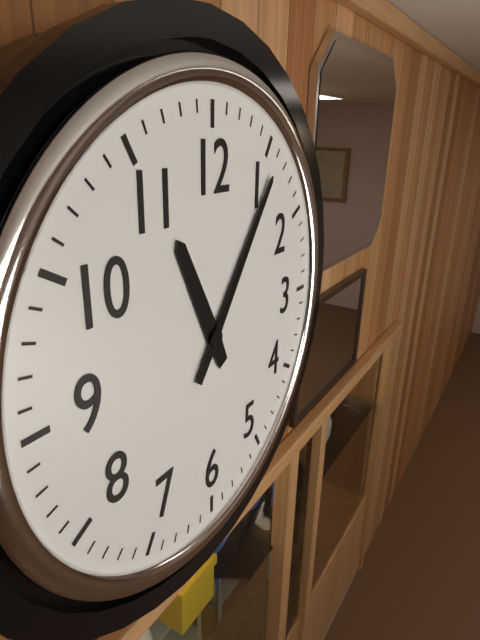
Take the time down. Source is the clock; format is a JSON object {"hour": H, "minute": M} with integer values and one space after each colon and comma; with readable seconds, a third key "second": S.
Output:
{"hour": 11, "minute": 6}
